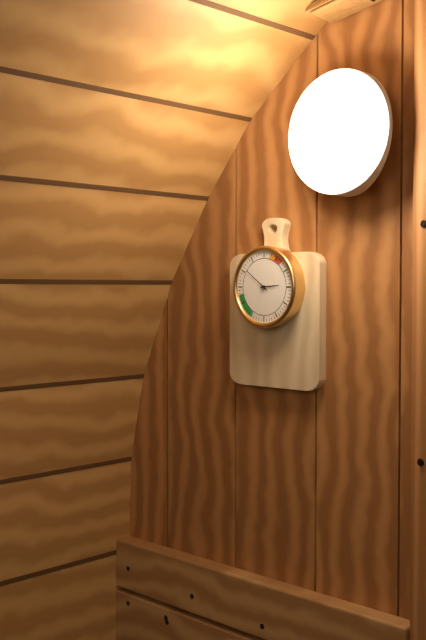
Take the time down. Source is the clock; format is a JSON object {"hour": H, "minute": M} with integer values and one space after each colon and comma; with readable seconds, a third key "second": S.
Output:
{"hour": 2, "minute": 51}
